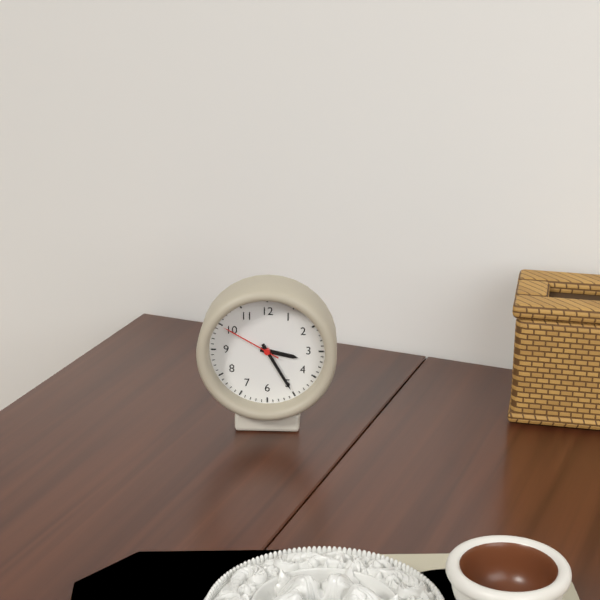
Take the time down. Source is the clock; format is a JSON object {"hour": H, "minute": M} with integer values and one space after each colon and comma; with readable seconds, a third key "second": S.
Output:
{"hour": 3, "minute": 25, "second": 50}
